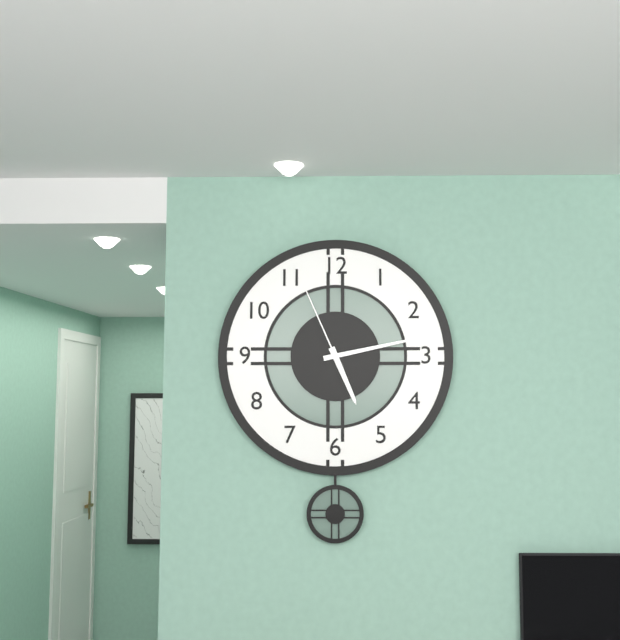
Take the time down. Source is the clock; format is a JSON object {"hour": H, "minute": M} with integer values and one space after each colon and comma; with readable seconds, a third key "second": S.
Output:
{"hour": 5, "minute": 13, "second": 56}
